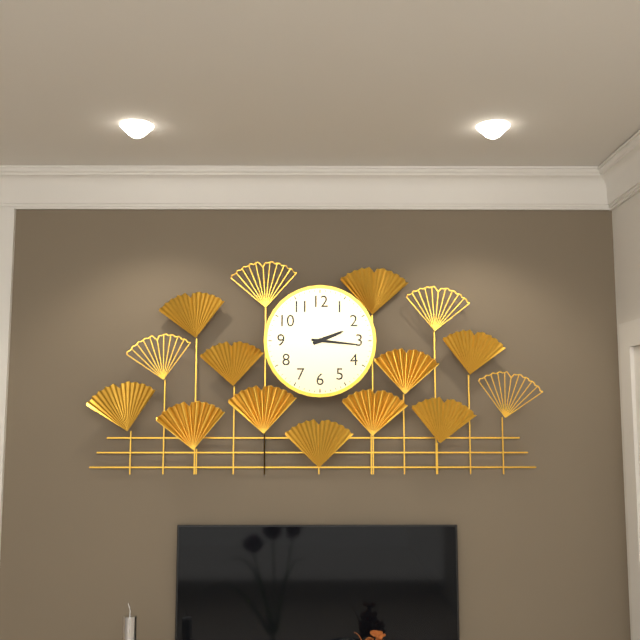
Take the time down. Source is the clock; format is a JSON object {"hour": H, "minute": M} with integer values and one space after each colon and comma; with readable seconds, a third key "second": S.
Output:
{"hour": 2, "minute": 16}
